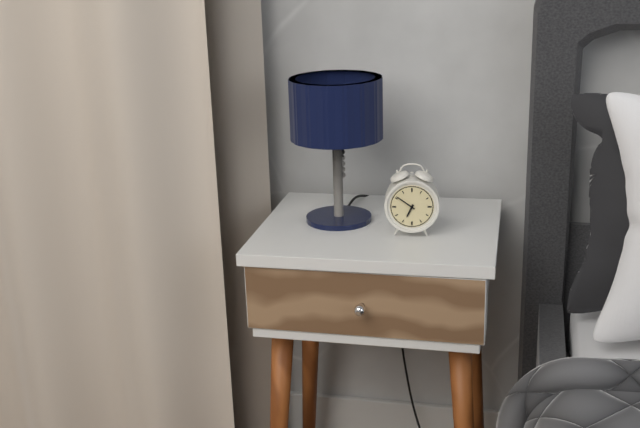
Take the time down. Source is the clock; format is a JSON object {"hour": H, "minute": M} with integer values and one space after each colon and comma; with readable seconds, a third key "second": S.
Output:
{"hour": 6, "minute": 51}
